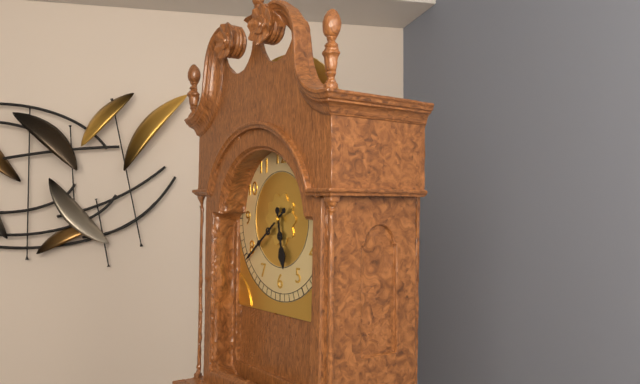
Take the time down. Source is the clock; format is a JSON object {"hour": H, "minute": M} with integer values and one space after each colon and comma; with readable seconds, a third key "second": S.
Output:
{"hour": 5, "minute": 39}
